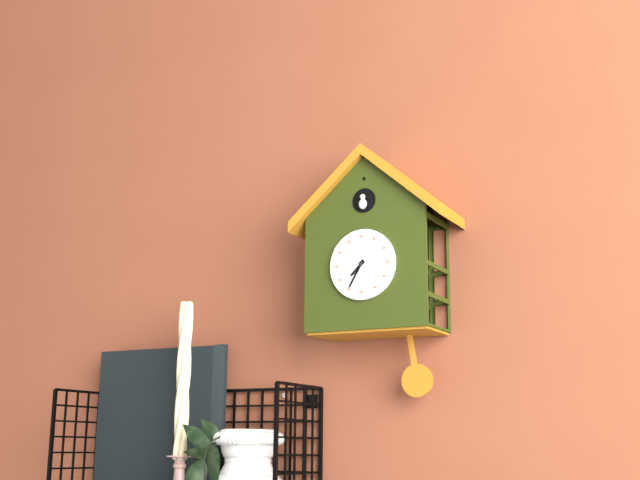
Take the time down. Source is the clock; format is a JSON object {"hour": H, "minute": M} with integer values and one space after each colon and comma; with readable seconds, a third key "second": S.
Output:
{"hour": 7, "minute": 35}
